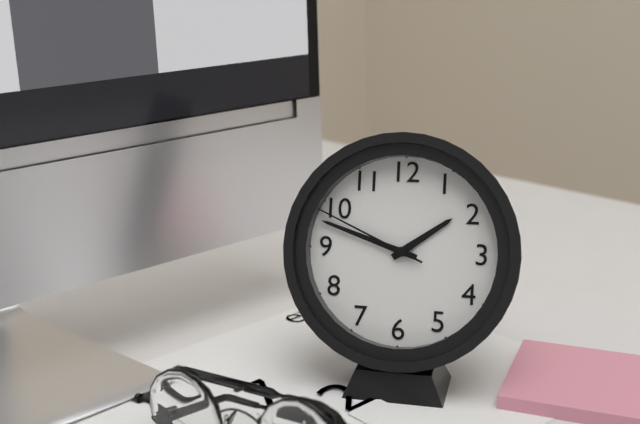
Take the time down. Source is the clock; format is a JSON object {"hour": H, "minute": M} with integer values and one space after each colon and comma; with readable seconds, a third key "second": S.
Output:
{"hour": 1, "minute": 48, "second": 49}
